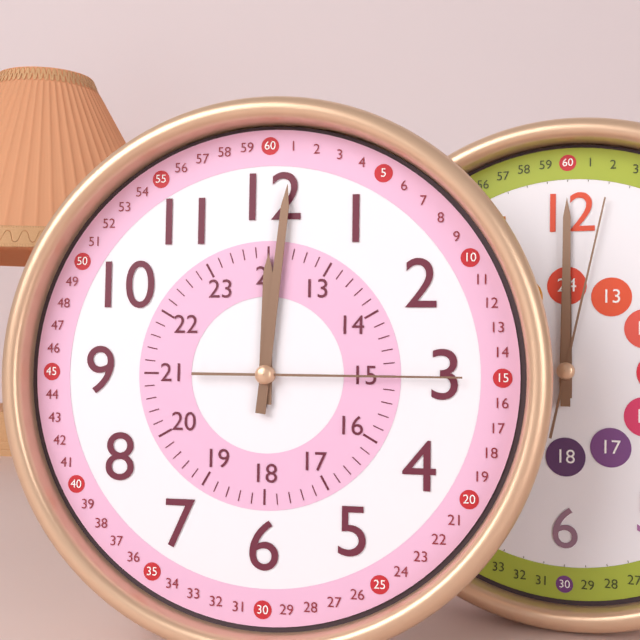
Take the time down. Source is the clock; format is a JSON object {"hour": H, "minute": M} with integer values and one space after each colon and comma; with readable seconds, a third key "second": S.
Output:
{"hour": 12, "minute": 1, "second": 15}
